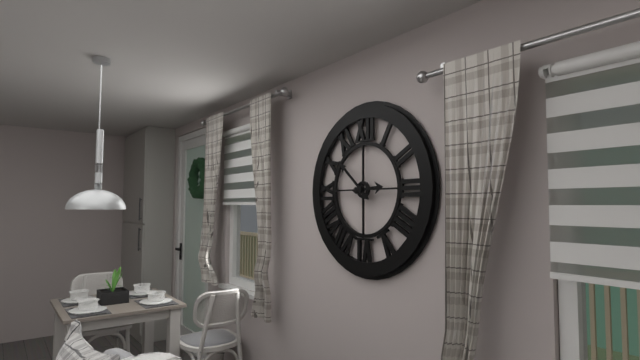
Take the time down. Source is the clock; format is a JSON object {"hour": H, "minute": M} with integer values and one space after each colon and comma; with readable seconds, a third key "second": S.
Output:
{"hour": 2, "minute": 52}
